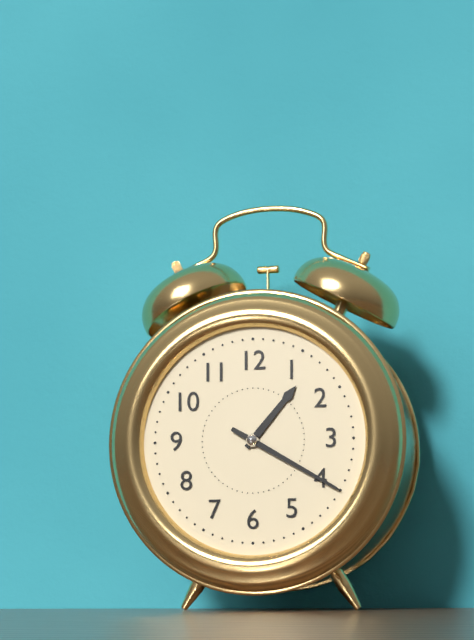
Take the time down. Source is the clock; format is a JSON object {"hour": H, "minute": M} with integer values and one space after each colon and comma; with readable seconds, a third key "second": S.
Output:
{"hour": 1, "minute": 20}
